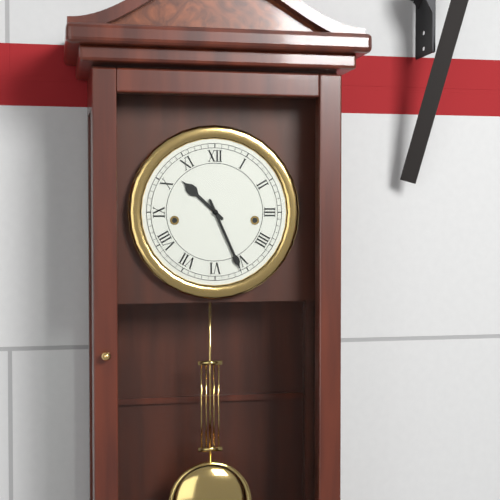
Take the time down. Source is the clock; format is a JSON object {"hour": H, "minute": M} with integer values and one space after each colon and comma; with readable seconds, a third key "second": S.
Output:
{"hour": 10, "minute": 26}
